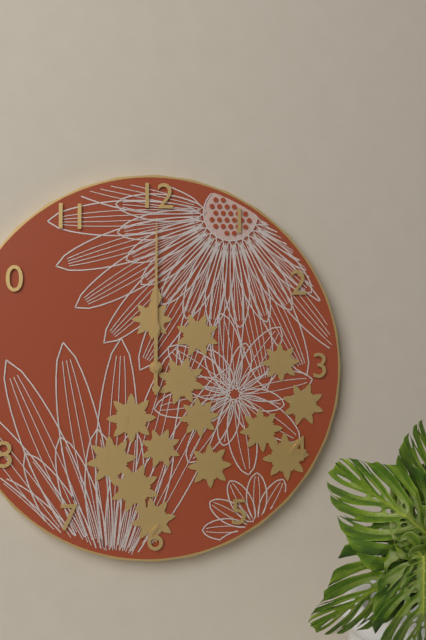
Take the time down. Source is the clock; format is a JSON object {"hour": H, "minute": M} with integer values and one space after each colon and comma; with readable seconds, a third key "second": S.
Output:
{"hour": 12, "minute": 0}
